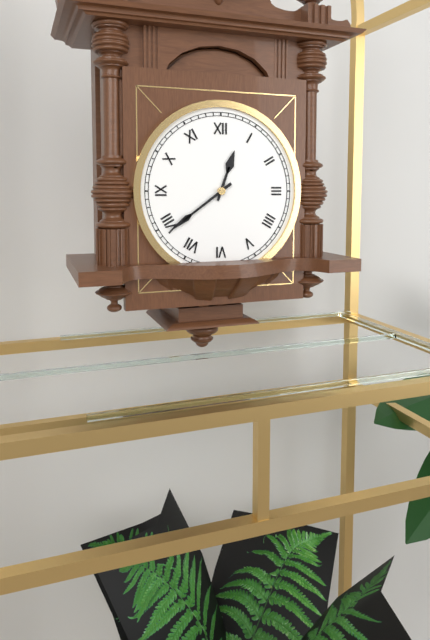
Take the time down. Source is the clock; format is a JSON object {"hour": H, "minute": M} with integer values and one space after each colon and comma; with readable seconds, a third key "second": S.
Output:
{"hour": 12, "minute": 39}
